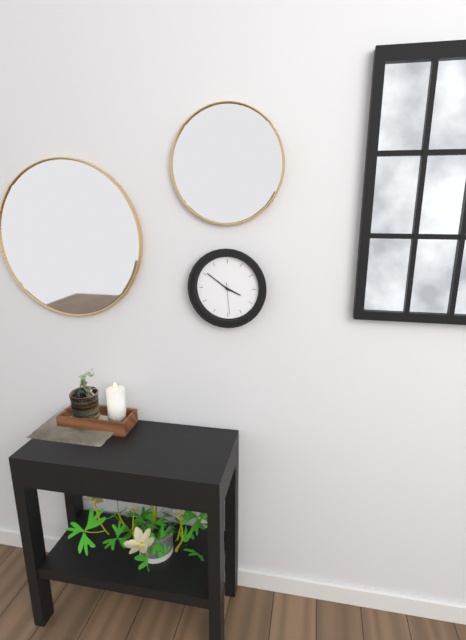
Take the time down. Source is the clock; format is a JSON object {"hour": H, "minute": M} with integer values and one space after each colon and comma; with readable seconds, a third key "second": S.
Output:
{"hour": 3, "minute": 51}
